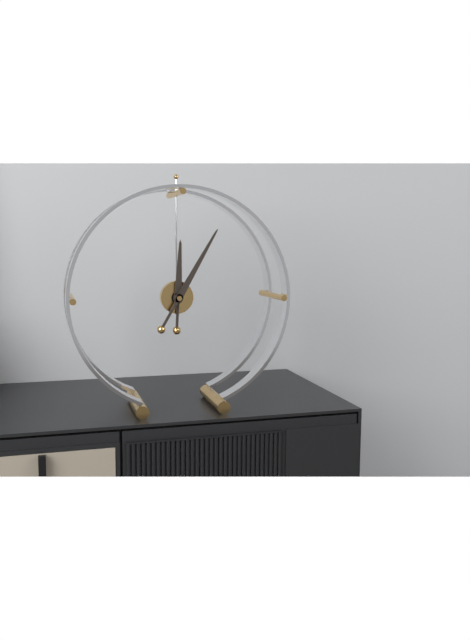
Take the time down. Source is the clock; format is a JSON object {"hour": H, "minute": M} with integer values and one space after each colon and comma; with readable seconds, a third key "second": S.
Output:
{"hour": 12, "minute": 5}
